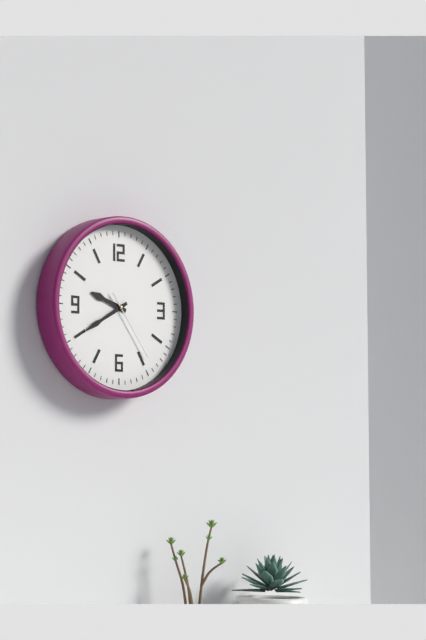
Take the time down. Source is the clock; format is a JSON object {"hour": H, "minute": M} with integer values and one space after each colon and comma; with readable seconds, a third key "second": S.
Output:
{"hour": 9, "minute": 40, "second": 24}
